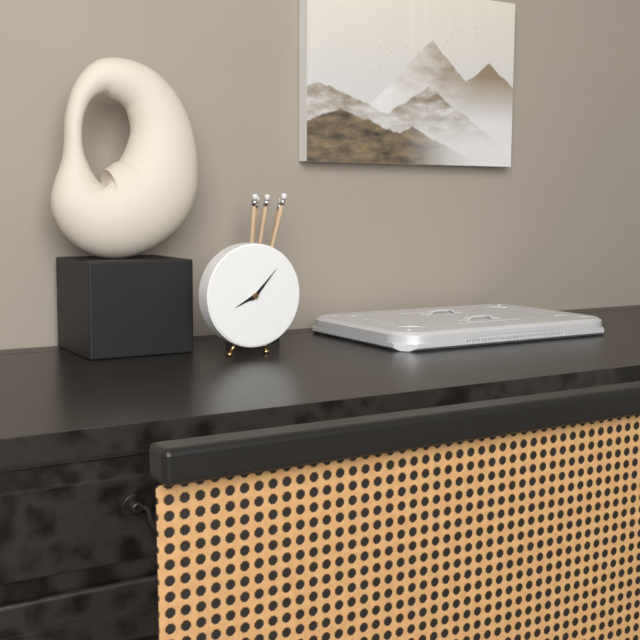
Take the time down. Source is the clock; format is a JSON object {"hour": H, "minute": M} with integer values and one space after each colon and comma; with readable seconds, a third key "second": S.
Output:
{"hour": 8, "minute": 7}
